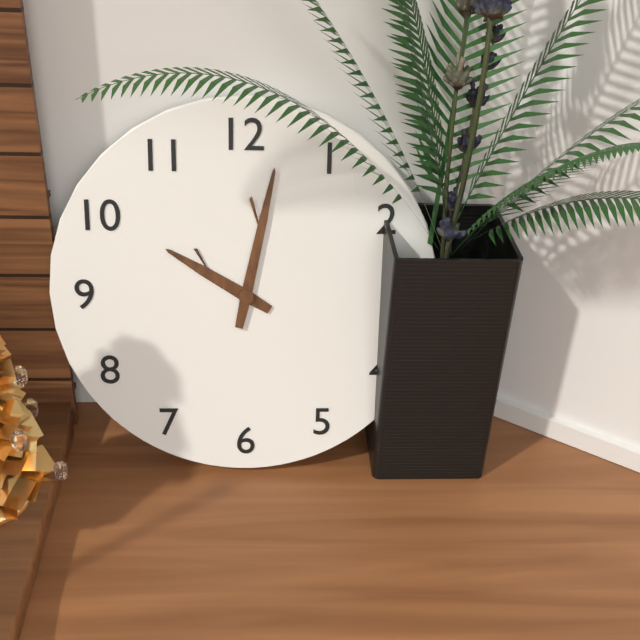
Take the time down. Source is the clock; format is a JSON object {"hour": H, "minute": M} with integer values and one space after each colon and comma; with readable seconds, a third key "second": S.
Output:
{"hour": 10, "minute": 2}
